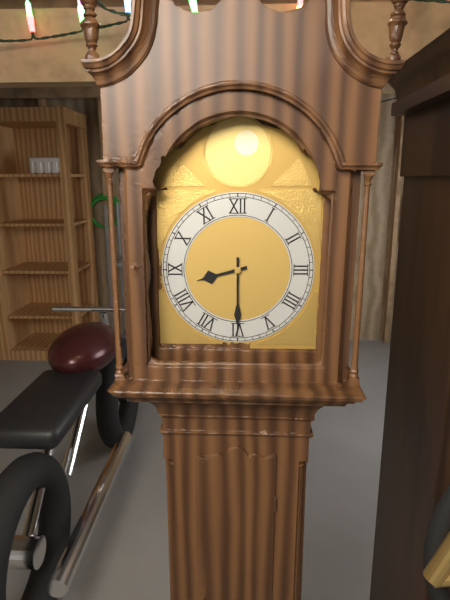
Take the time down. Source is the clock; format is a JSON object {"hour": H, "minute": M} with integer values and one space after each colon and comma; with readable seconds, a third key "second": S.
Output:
{"hour": 8, "minute": 30}
